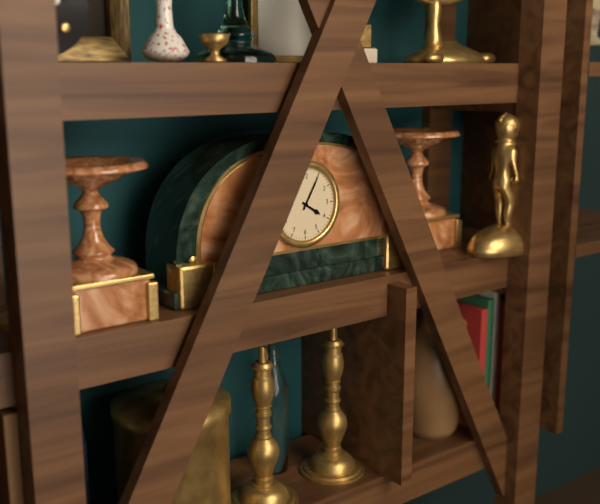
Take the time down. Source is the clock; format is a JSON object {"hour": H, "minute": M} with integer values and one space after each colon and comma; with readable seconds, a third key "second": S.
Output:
{"hour": 4, "minute": 5}
